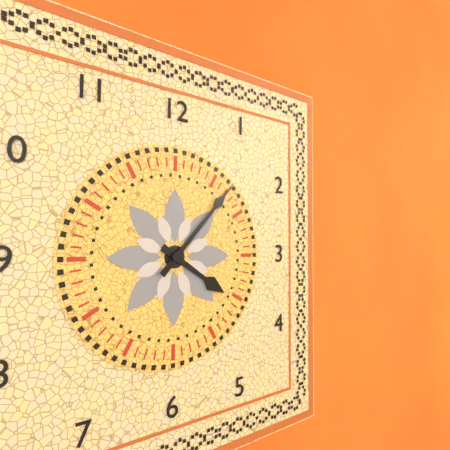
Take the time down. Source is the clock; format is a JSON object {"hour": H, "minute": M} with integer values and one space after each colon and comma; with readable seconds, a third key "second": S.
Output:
{"hour": 4, "minute": 7}
